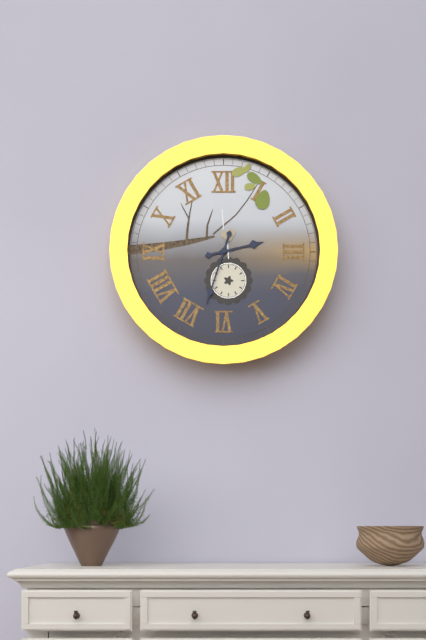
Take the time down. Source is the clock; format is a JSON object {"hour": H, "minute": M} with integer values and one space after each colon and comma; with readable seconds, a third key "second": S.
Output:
{"hour": 2, "minute": 33}
